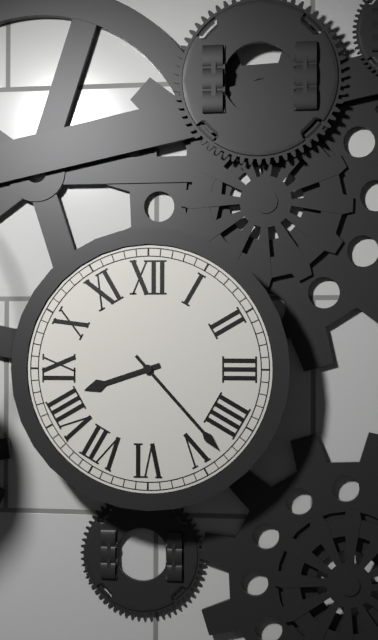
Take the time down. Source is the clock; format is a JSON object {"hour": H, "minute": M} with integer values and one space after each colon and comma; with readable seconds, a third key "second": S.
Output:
{"hour": 8, "minute": 23}
